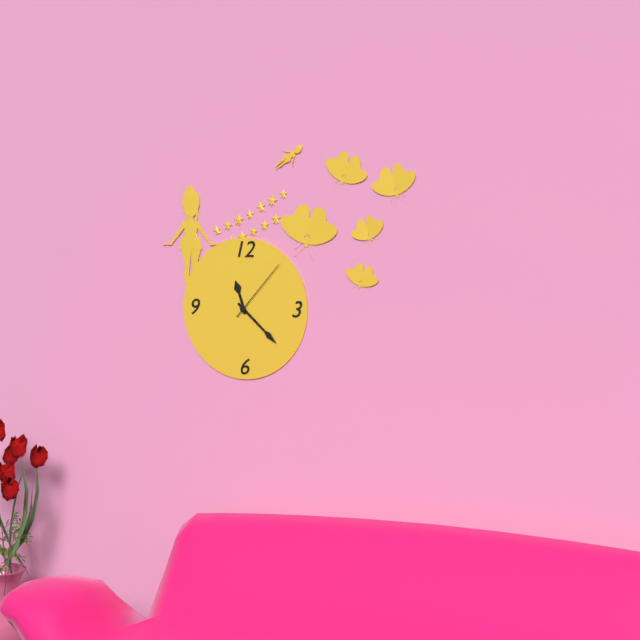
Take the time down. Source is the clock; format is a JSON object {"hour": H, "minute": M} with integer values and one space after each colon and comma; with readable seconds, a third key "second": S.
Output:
{"hour": 11, "minute": 22, "second": 7}
